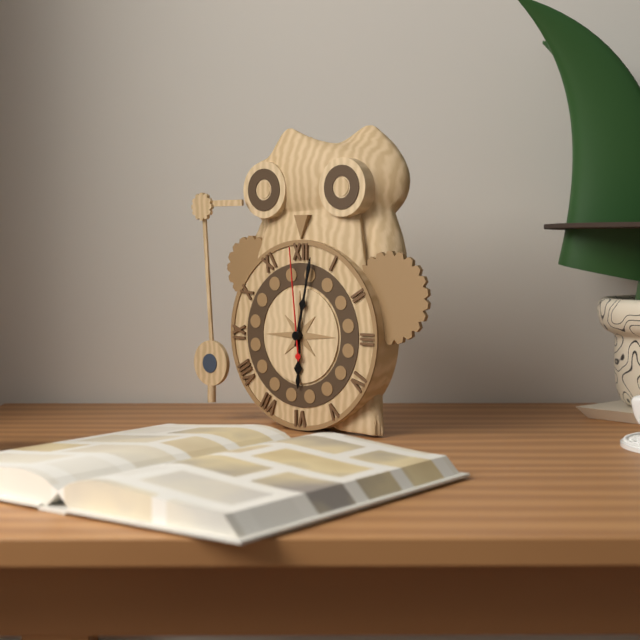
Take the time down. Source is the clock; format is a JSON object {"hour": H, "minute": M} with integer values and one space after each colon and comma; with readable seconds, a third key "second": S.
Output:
{"hour": 6, "minute": 2, "second": 59}
